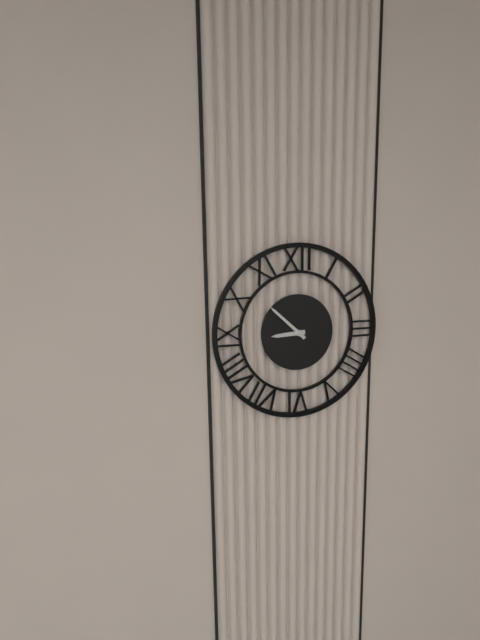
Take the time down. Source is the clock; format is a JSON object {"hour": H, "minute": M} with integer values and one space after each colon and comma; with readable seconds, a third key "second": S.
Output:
{"hour": 8, "minute": 52}
